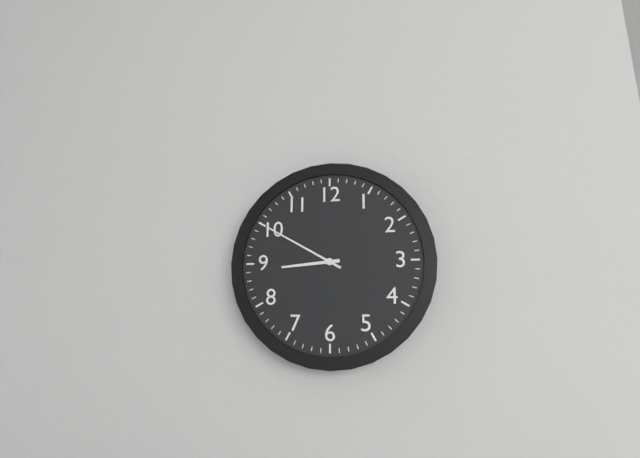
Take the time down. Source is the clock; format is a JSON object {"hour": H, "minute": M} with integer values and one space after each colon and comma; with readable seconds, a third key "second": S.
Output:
{"hour": 8, "minute": 50}
